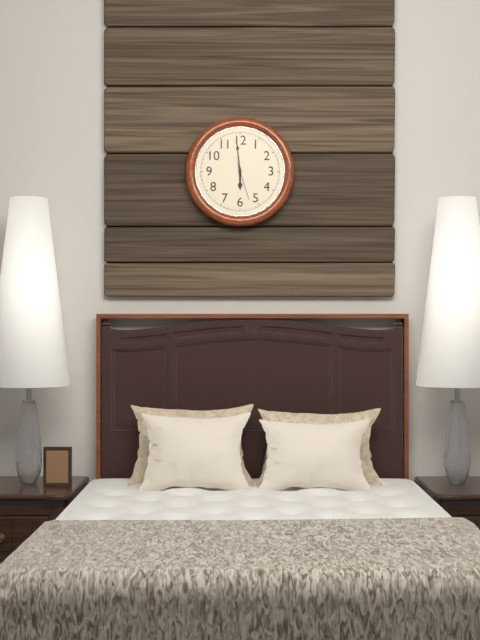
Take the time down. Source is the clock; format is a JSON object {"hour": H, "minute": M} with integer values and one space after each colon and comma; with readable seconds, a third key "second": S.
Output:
{"hour": 5, "minute": 59}
